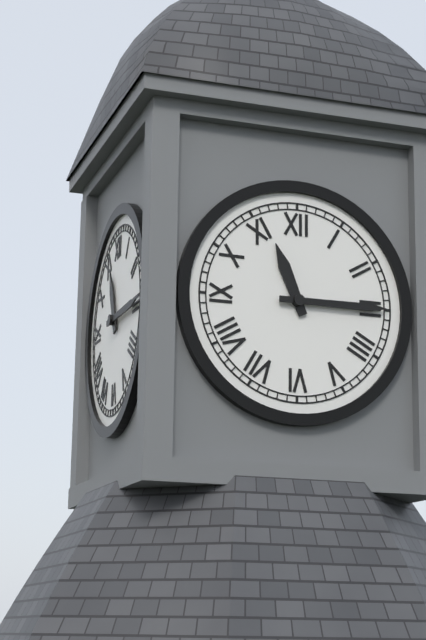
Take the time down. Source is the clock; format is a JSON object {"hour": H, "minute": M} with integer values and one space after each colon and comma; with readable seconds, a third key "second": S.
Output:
{"hour": 11, "minute": 15}
